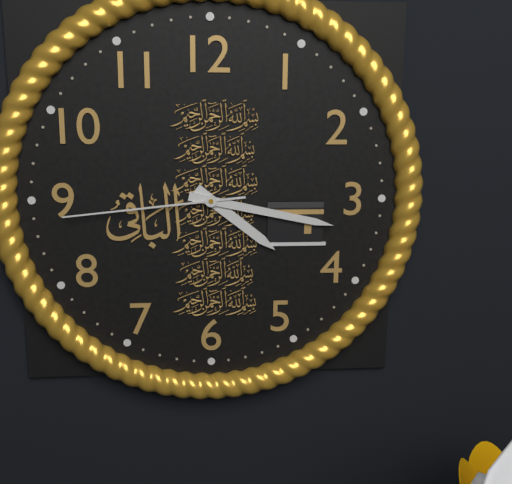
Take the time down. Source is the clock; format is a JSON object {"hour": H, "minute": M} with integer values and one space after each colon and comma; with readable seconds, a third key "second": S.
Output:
{"hour": 4, "minute": 17, "second": 44}
